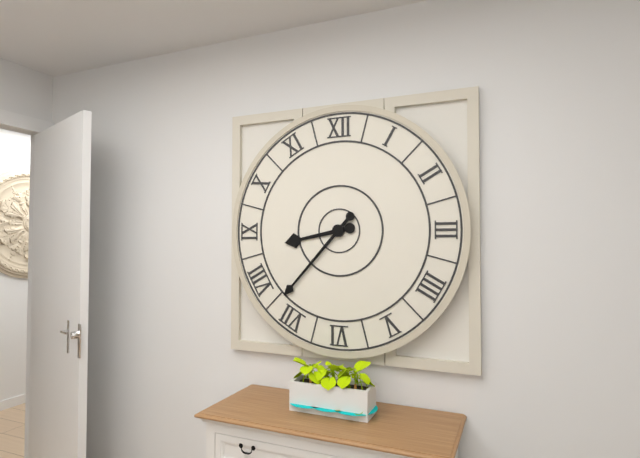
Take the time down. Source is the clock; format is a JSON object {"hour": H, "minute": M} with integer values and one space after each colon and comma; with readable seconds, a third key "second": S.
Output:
{"hour": 8, "minute": 37}
